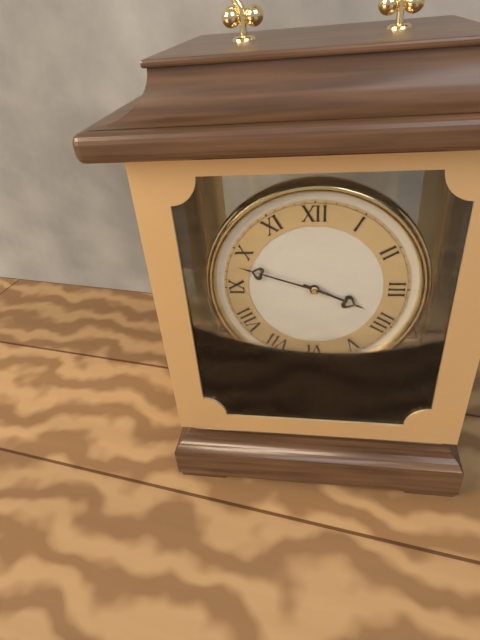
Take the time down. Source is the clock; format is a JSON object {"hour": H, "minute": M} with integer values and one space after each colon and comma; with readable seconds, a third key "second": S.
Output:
{"hour": 3, "minute": 48}
